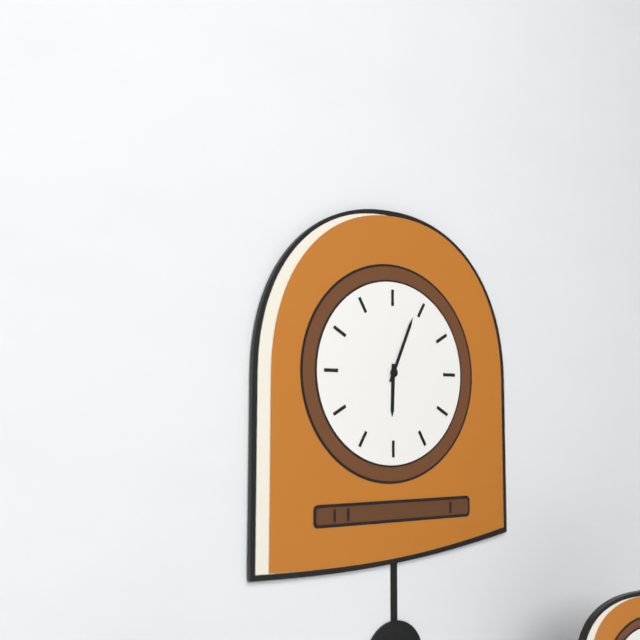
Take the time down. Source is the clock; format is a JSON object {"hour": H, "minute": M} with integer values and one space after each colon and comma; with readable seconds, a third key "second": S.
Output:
{"hour": 6, "minute": 4}
